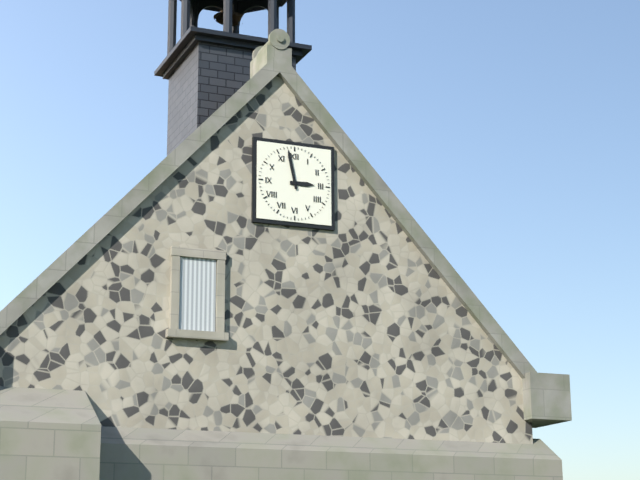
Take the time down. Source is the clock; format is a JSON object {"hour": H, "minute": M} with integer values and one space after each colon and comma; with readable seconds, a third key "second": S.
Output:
{"hour": 2, "minute": 58}
